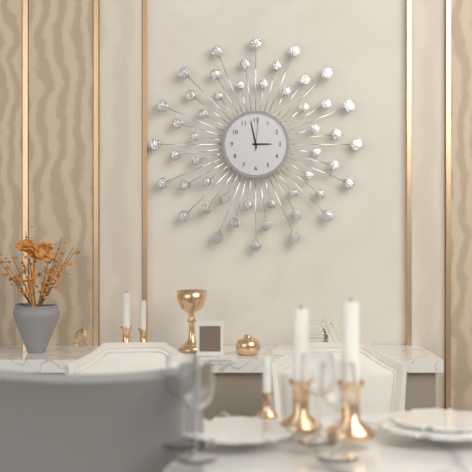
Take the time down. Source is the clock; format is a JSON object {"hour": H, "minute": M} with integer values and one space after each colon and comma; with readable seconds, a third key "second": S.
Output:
{"hour": 2, "minute": 58}
